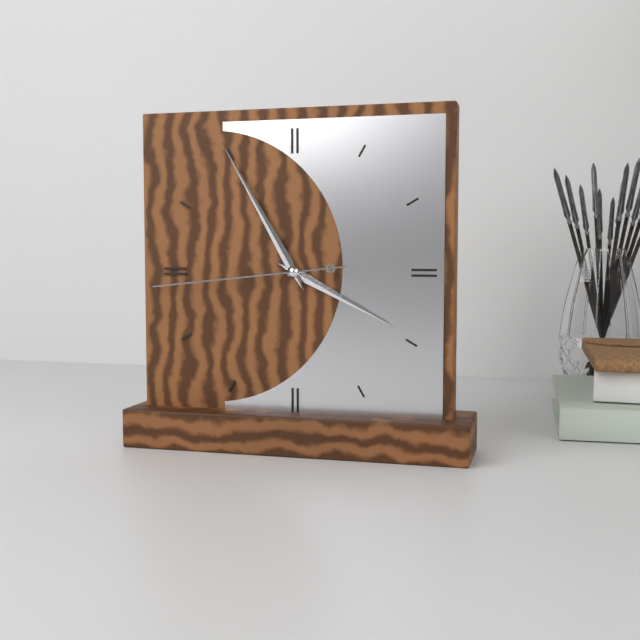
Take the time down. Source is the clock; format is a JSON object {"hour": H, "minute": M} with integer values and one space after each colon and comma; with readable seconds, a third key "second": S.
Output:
{"hour": 3, "minute": 55, "second": 44}
